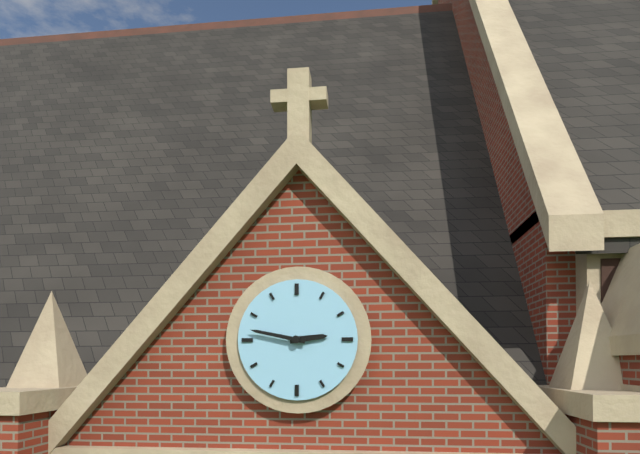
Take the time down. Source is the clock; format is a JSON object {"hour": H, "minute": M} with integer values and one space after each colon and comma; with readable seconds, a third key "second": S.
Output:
{"hour": 2, "minute": 47}
